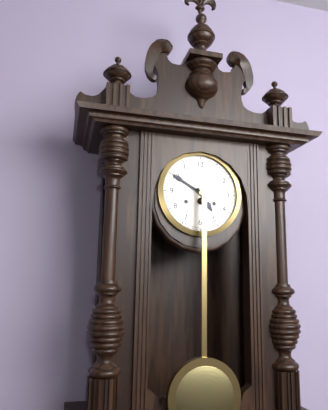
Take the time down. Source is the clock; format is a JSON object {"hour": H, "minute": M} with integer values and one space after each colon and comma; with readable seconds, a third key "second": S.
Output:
{"hour": 4, "minute": 50}
